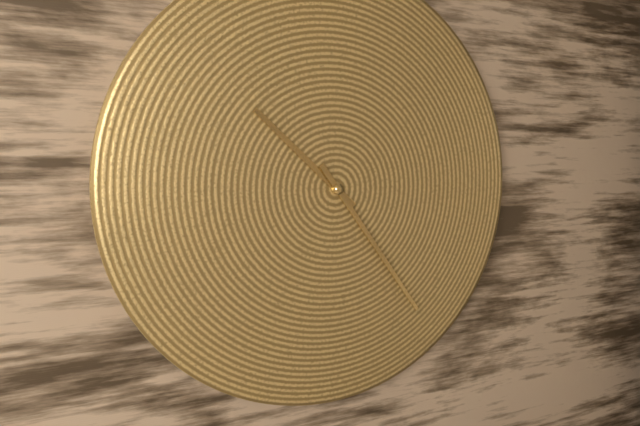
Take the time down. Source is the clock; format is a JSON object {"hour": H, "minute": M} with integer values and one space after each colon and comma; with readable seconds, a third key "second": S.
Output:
{"hour": 10, "minute": 24}
